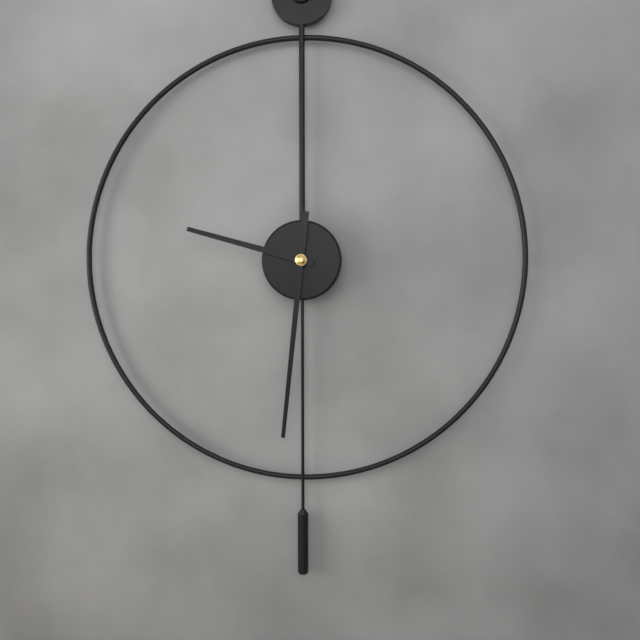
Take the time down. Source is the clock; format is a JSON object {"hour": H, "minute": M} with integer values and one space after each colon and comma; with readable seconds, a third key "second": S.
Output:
{"hour": 9, "minute": 31}
